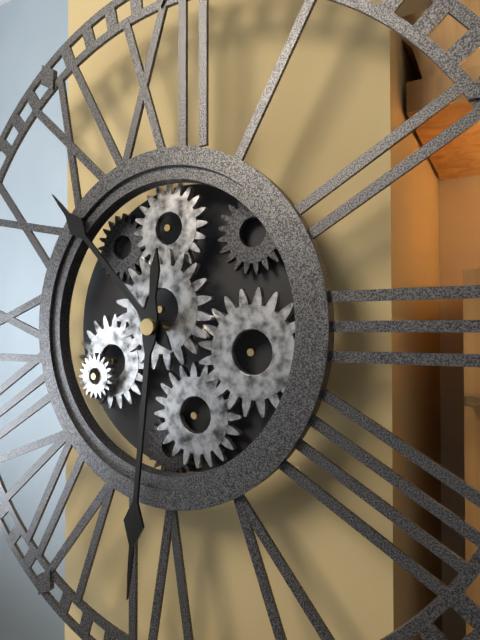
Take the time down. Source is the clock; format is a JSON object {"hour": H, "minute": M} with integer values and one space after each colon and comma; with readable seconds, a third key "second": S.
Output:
{"hour": 10, "minute": 31}
